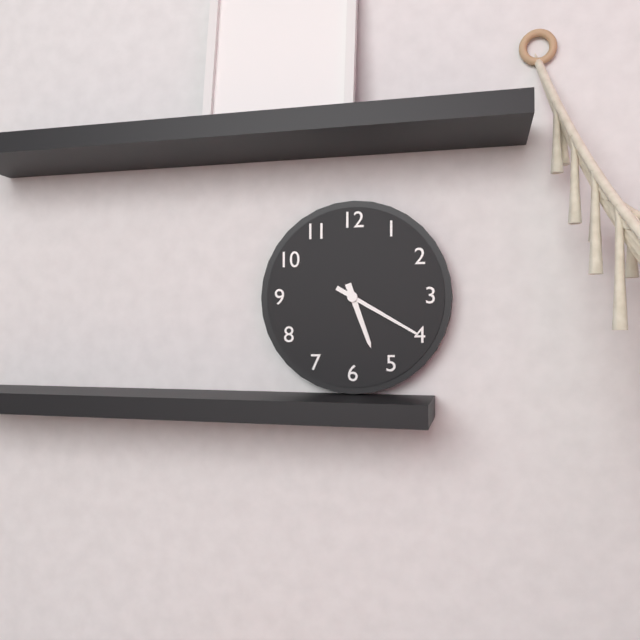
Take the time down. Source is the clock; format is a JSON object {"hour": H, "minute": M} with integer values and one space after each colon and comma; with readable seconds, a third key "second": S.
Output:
{"hour": 5, "minute": 20}
